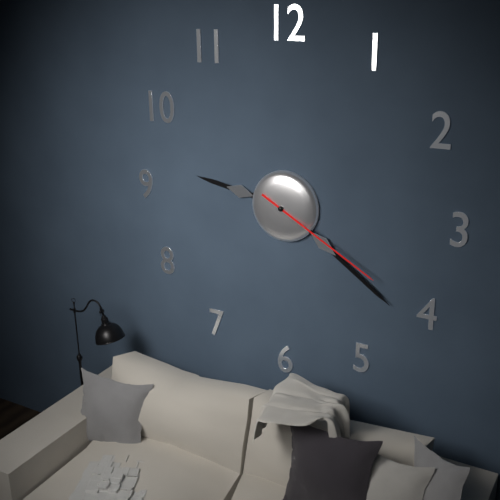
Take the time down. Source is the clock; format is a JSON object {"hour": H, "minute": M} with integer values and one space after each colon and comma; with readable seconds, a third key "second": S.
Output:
{"hour": 9, "minute": 21, "second": 20}
